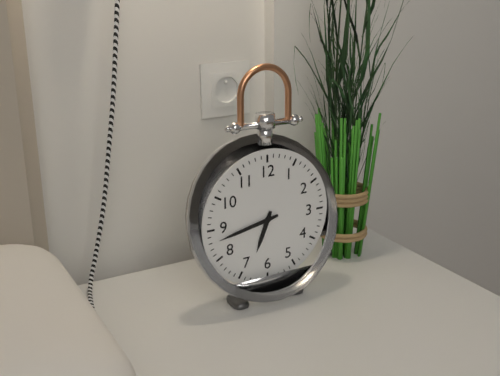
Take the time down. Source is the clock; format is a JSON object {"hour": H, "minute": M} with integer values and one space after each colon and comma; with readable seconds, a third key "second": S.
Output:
{"hour": 6, "minute": 43}
